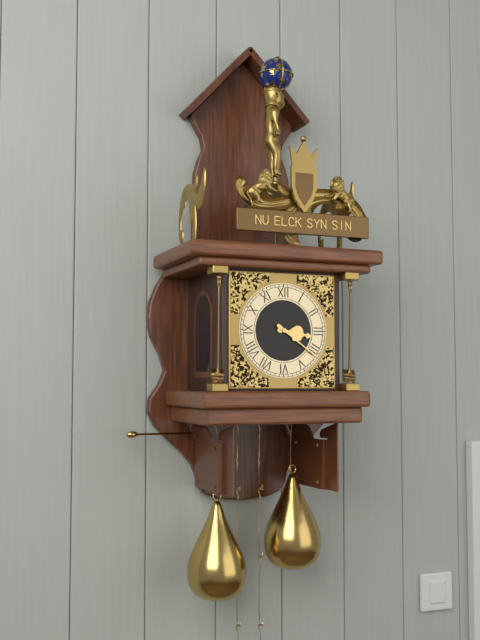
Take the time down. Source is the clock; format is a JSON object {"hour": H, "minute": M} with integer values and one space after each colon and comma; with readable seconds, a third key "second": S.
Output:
{"hour": 3, "minute": 21}
